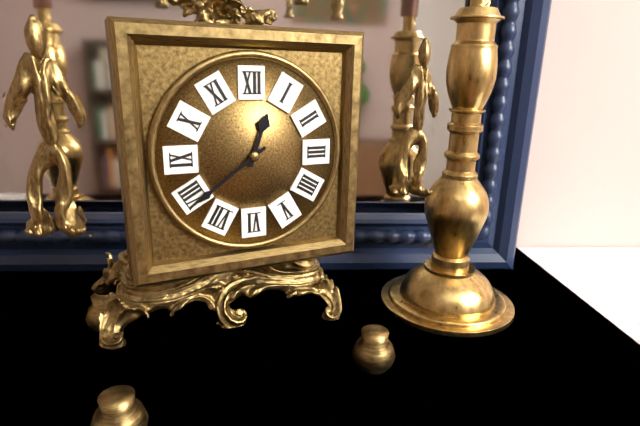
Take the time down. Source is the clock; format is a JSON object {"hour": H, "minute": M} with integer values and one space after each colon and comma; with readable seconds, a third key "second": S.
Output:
{"hour": 12, "minute": 39}
